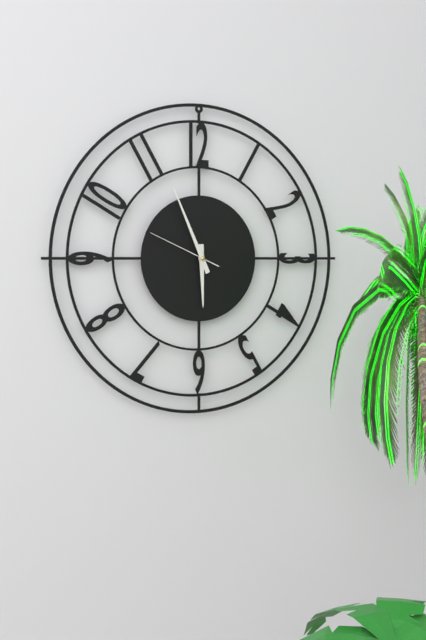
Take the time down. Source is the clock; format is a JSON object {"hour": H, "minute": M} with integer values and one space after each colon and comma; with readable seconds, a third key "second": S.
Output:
{"hour": 5, "minute": 56, "second": 49}
